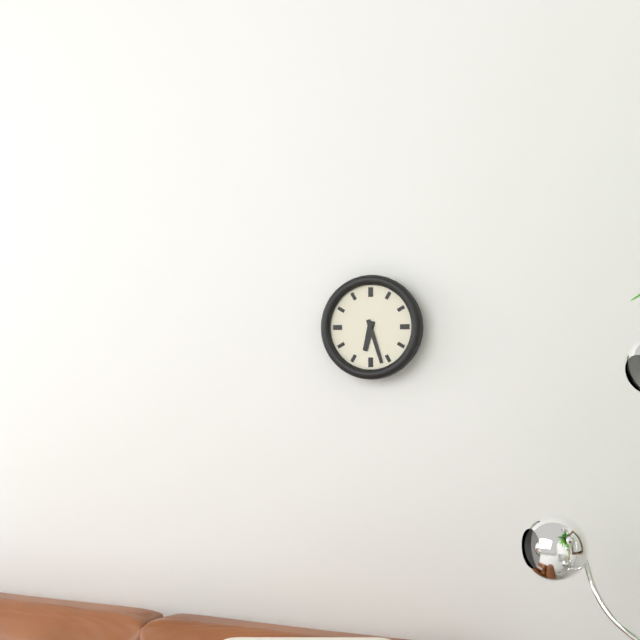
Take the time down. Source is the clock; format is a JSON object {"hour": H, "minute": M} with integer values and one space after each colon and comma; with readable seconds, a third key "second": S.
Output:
{"hour": 6, "minute": 27}
